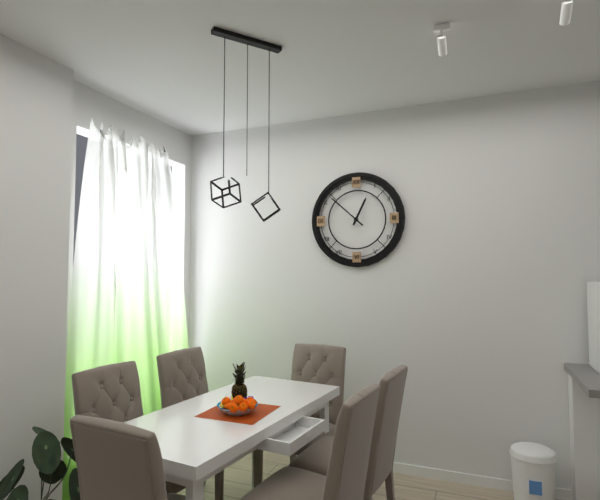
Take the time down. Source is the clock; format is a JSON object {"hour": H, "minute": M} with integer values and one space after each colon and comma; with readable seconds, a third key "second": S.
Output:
{"hour": 12, "minute": 52}
